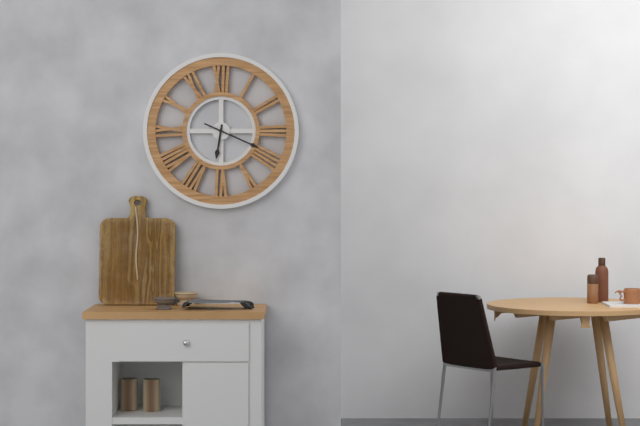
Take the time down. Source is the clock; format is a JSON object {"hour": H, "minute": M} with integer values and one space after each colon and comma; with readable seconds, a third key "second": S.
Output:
{"hour": 6, "minute": 19}
